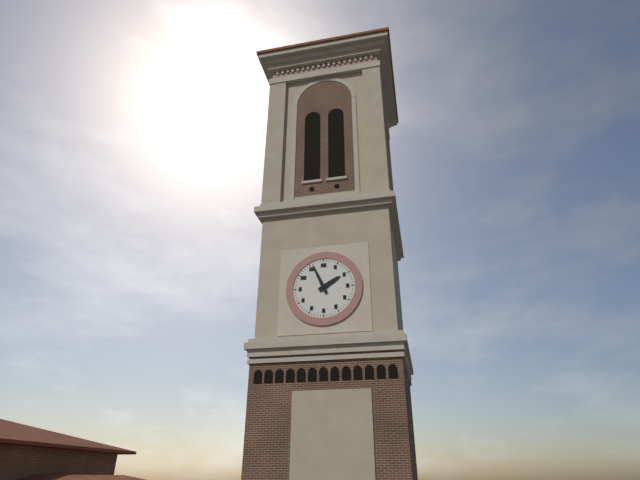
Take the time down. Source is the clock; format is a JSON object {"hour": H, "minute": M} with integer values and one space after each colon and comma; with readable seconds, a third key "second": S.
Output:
{"hour": 1, "minute": 56}
